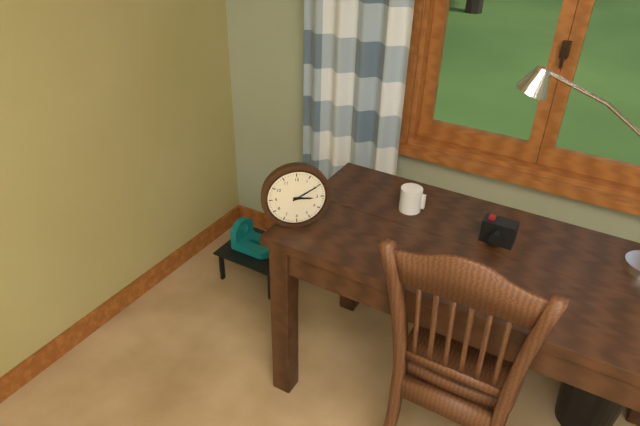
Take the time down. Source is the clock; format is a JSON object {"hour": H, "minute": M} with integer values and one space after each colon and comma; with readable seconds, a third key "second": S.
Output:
{"hour": 3, "minute": 10}
